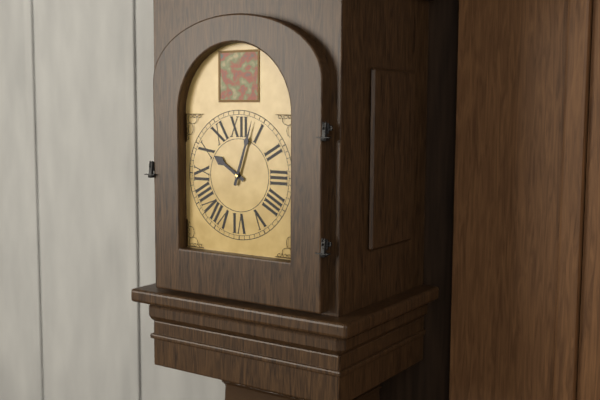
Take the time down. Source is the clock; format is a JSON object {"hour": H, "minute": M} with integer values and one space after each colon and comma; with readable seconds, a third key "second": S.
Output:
{"hour": 10, "minute": 3}
